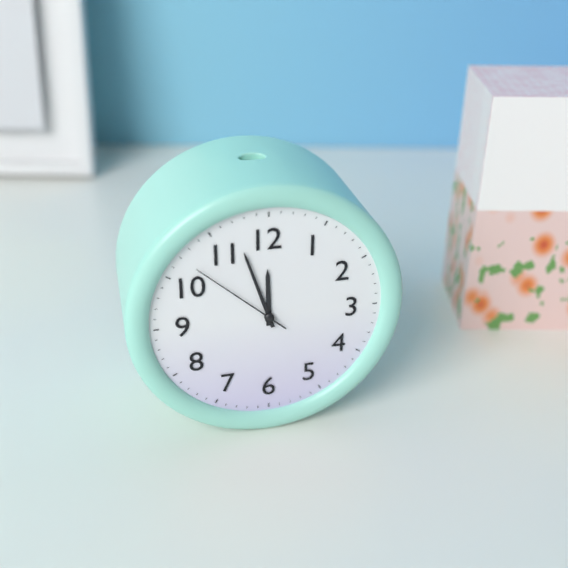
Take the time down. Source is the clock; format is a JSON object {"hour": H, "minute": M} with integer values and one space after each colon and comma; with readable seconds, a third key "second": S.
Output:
{"hour": 11, "minute": 57, "second": 52}
